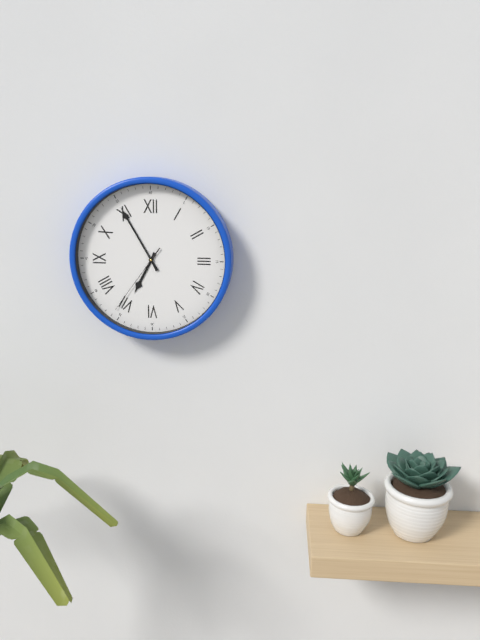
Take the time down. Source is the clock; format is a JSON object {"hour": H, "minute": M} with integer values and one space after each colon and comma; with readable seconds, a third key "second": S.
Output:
{"hour": 6, "minute": 55, "second": 36}
